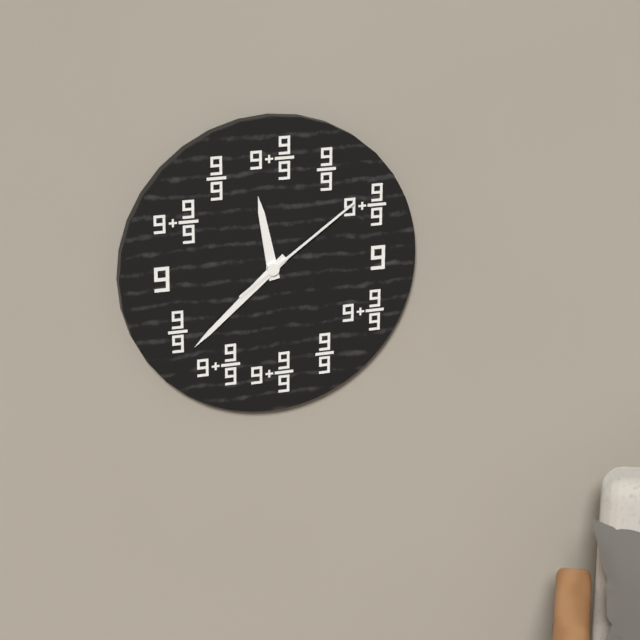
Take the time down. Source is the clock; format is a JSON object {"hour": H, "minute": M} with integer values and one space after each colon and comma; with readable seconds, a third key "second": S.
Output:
{"hour": 11, "minute": 38, "second": 9}
